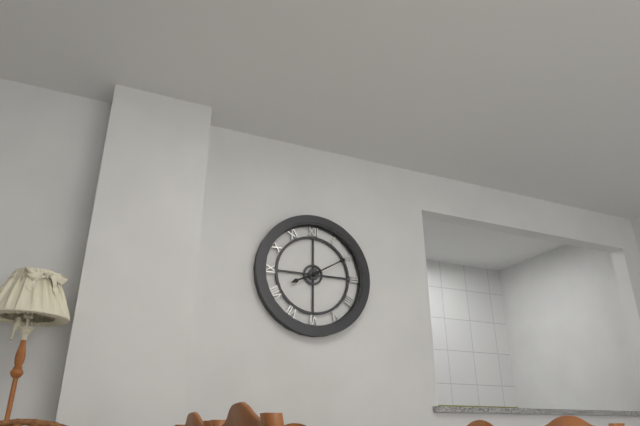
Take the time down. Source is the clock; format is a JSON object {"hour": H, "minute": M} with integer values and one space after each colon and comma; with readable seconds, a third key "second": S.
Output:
{"hour": 8, "minute": 10}
